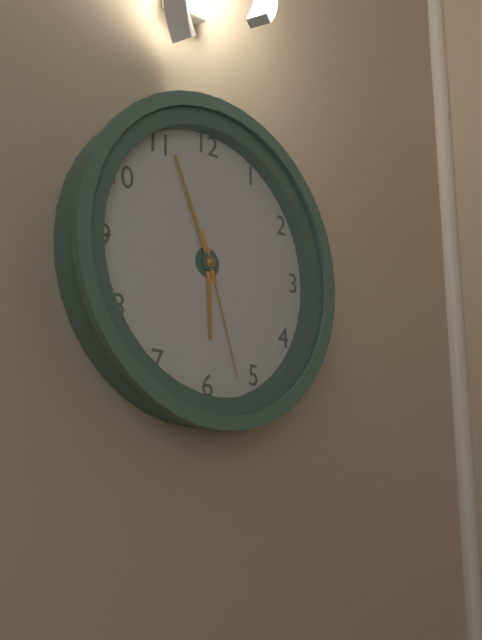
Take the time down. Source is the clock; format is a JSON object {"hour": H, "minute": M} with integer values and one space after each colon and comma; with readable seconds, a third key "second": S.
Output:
{"hour": 5, "minute": 56, "second": 27}
